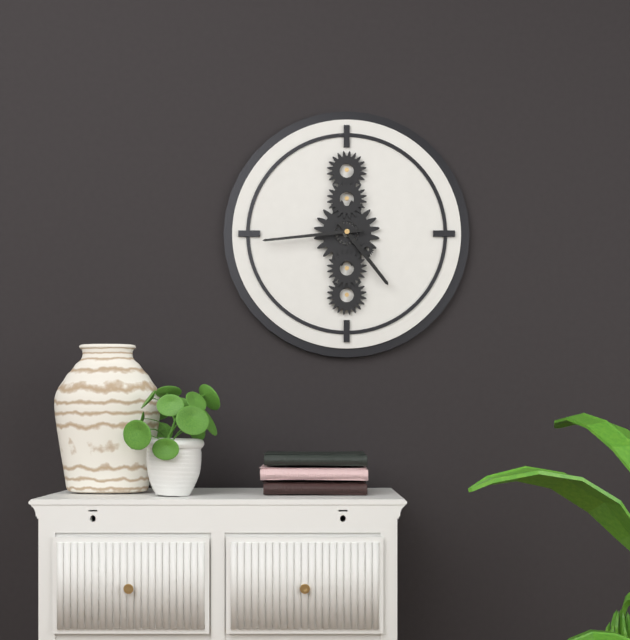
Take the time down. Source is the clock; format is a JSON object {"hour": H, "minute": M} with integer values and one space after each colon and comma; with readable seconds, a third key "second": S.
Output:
{"hour": 4, "minute": 44}
